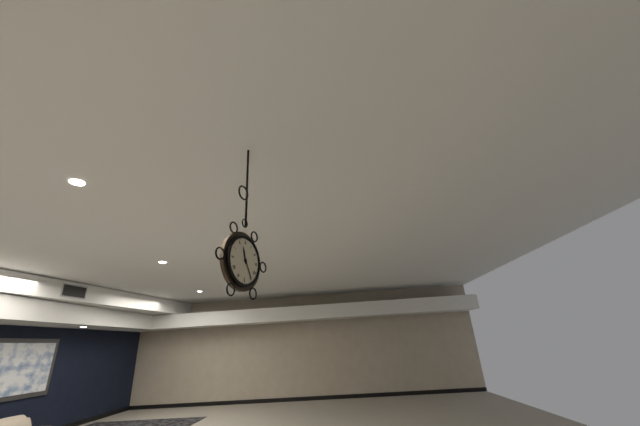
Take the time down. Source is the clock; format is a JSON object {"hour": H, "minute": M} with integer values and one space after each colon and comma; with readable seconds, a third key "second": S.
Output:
{"hour": 11, "minute": 25}
